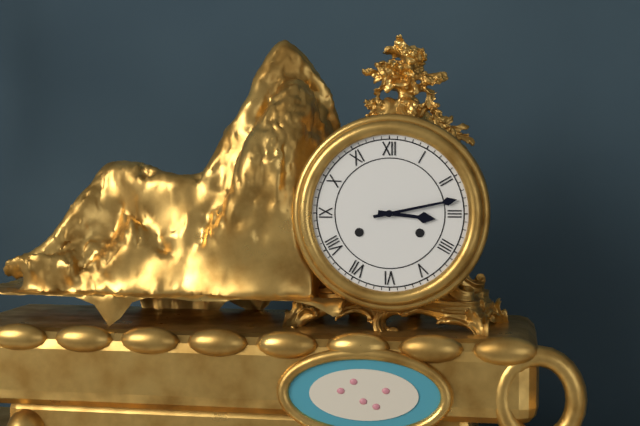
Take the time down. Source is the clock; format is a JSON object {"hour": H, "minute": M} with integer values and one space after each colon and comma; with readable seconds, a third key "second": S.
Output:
{"hour": 3, "minute": 13}
